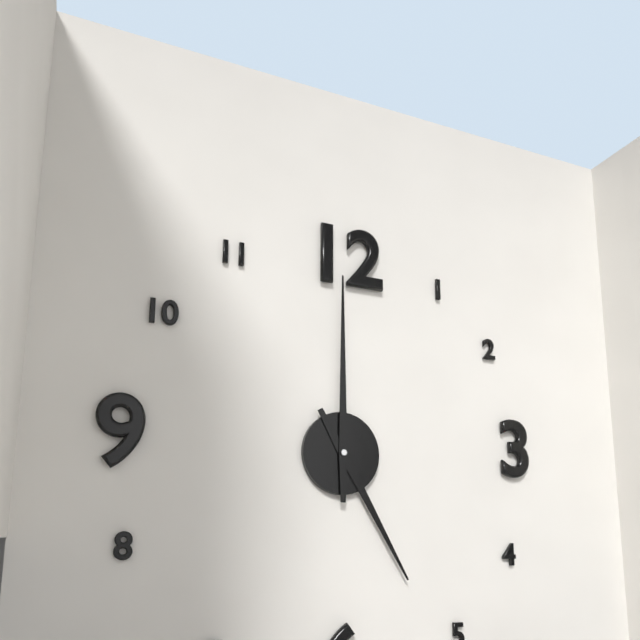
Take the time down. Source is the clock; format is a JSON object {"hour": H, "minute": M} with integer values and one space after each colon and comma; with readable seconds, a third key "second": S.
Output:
{"hour": 5, "minute": 0}
